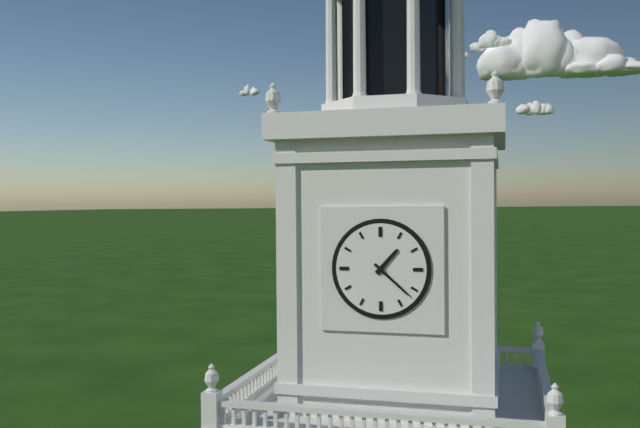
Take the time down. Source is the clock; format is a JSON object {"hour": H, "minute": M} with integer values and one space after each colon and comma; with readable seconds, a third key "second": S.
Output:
{"hour": 1, "minute": 22}
